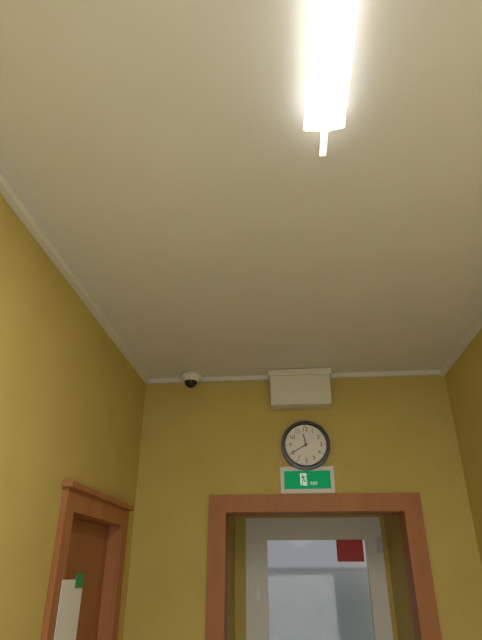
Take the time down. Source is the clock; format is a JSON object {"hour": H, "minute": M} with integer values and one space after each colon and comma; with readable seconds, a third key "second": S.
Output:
{"hour": 11, "minute": 40}
